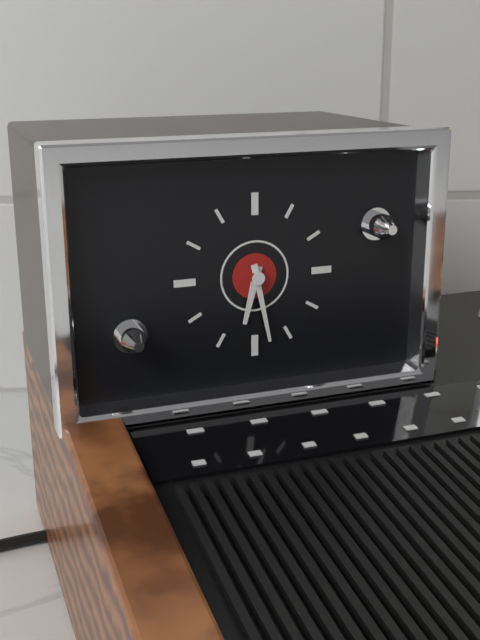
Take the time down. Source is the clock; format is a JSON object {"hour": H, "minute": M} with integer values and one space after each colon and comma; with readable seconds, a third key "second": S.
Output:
{"hour": 6, "minute": 28}
